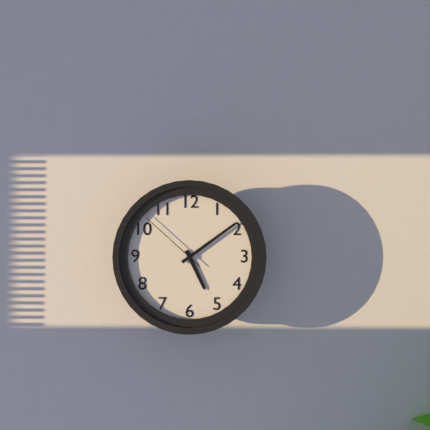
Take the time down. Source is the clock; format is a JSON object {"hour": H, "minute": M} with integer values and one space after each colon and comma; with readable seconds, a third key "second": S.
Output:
{"hour": 5, "minute": 9, "second": 52}
